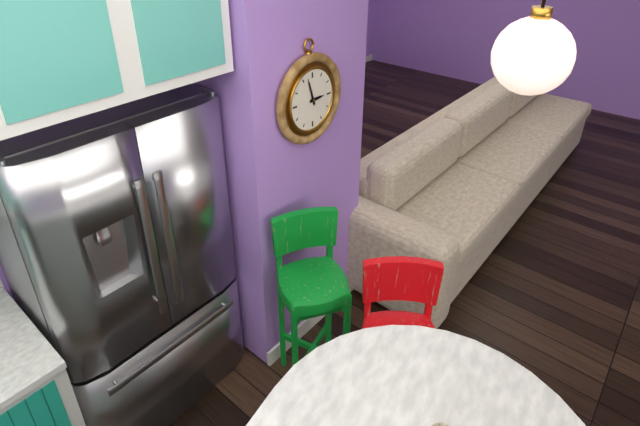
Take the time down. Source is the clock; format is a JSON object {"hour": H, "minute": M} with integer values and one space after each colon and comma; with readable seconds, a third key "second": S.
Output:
{"hour": 2, "minute": 57}
